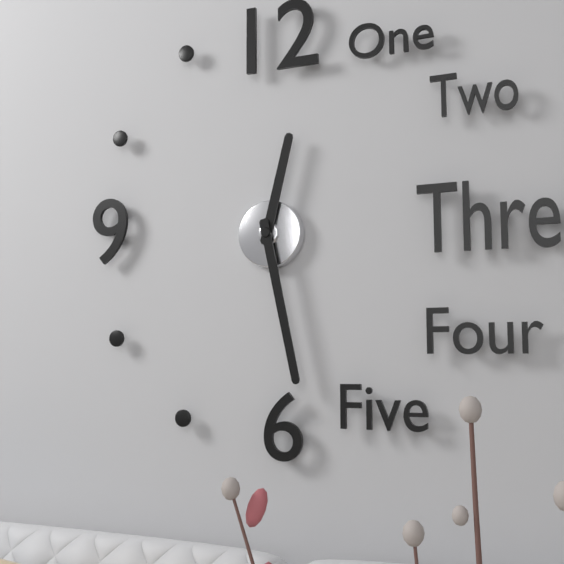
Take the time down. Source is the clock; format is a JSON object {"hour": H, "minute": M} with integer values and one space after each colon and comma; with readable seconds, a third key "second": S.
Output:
{"hour": 12, "minute": 28}
